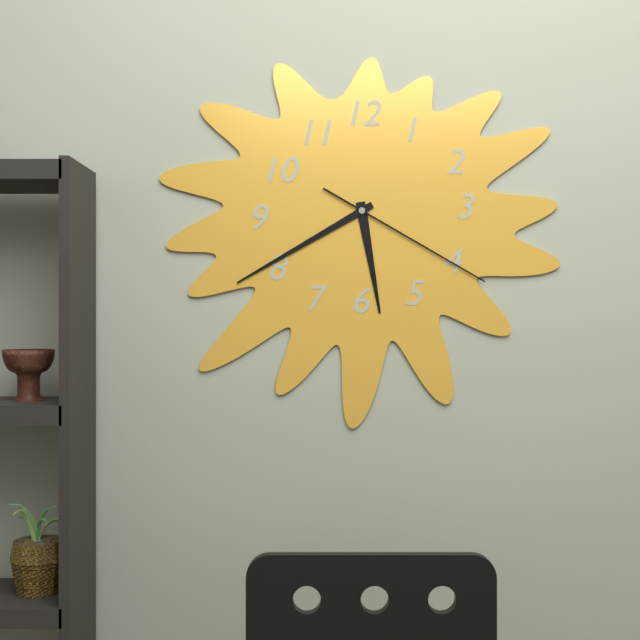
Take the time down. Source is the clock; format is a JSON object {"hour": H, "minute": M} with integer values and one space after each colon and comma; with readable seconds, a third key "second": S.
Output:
{"hour": 5, "minute": 40, "second": 20}
